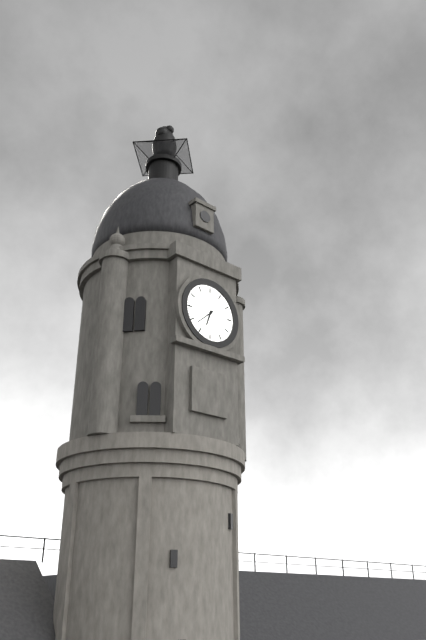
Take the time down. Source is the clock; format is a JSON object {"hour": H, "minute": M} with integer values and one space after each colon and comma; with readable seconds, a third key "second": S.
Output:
{"hour": 6, "minute": 38}
